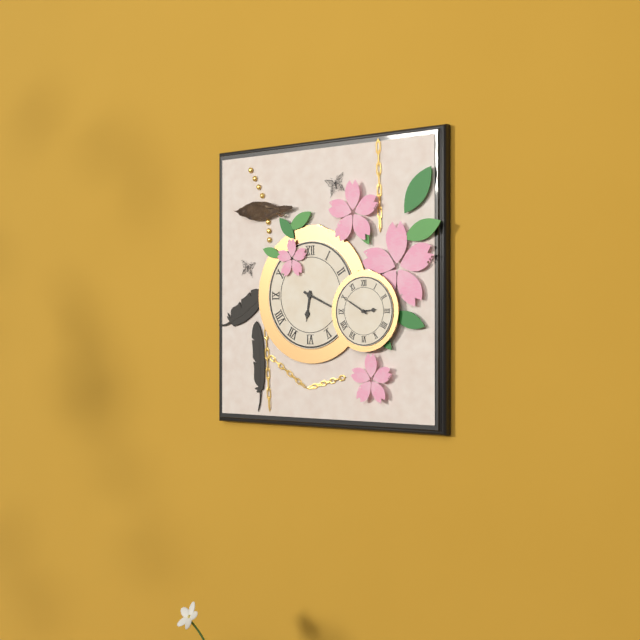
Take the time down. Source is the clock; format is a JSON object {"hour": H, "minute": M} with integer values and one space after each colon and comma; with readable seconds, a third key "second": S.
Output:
{"hour": 6, "minute": 19}
